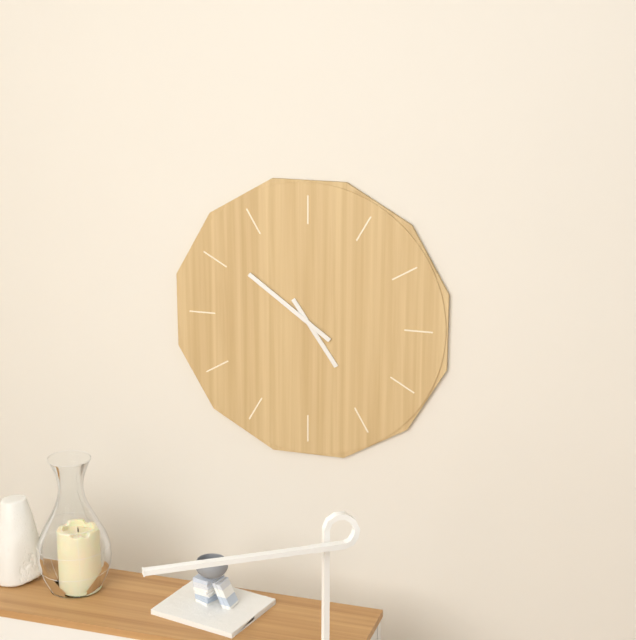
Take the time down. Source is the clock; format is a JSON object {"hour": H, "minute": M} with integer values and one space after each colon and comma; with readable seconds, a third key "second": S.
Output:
{"hour": 4, "minute": 51}
